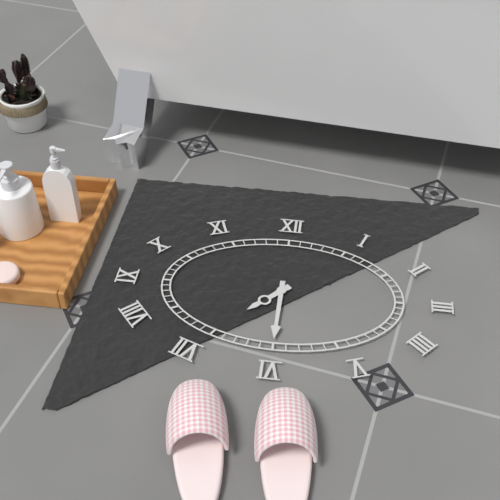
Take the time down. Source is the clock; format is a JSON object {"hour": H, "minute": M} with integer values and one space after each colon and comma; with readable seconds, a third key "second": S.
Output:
{"hour": 7, "minute": 30}
